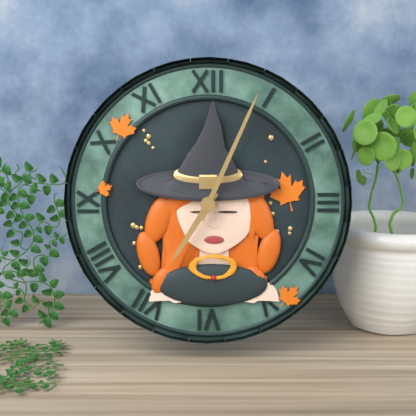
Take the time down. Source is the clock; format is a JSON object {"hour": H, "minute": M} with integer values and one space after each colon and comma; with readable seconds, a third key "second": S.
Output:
{"hour": 7, "minute": 4}
